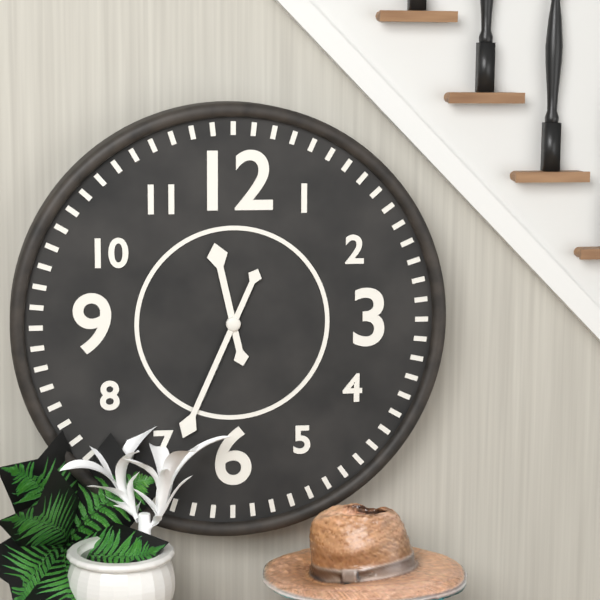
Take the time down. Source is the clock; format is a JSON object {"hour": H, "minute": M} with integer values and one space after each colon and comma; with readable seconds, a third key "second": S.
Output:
{"hour": 11, "minute": 34}
